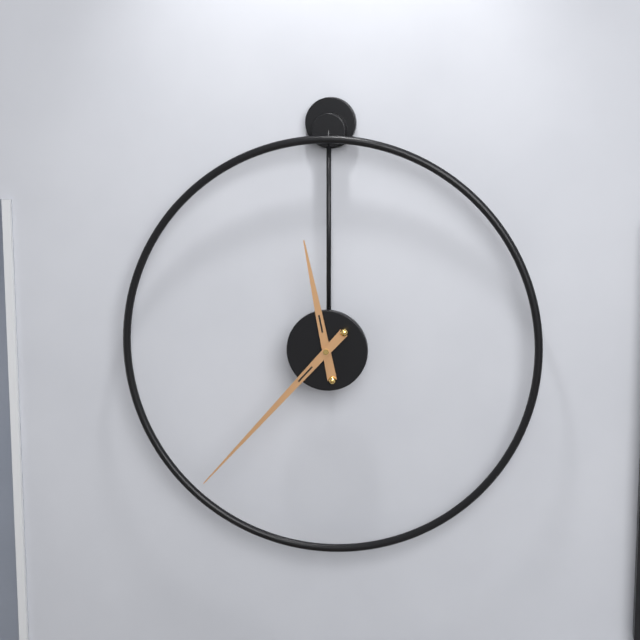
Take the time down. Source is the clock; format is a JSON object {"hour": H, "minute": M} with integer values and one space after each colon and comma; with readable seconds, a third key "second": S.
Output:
{"hour": 11, "minute": 37}
